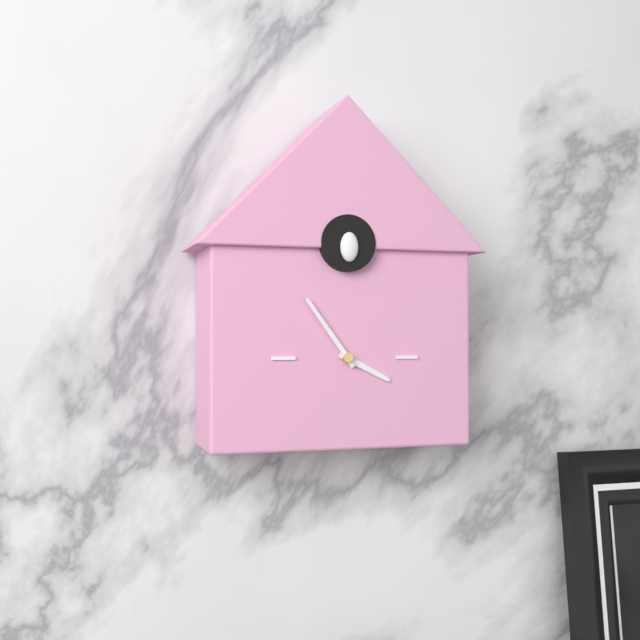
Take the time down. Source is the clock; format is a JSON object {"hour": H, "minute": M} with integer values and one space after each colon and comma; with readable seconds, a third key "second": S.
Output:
{"hour": 3, "minute": 54}
